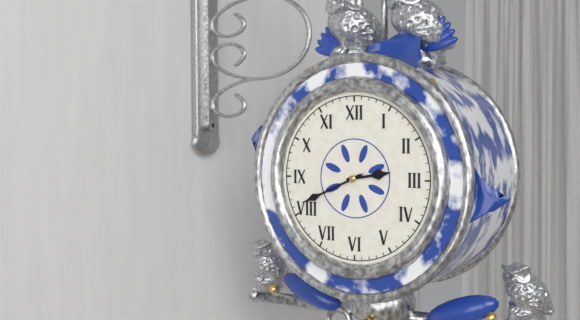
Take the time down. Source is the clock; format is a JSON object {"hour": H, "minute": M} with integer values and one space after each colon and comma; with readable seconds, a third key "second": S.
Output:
{"hour": 2, "minute": 41}
